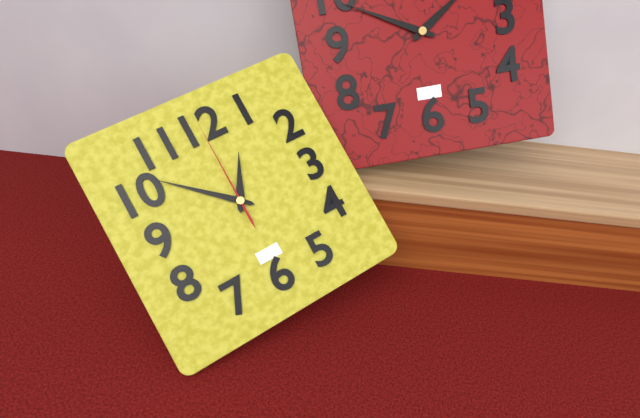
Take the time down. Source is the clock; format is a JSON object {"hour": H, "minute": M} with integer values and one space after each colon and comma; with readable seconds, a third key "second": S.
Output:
{"hour": 12, "minute": 52, "second": 0}
